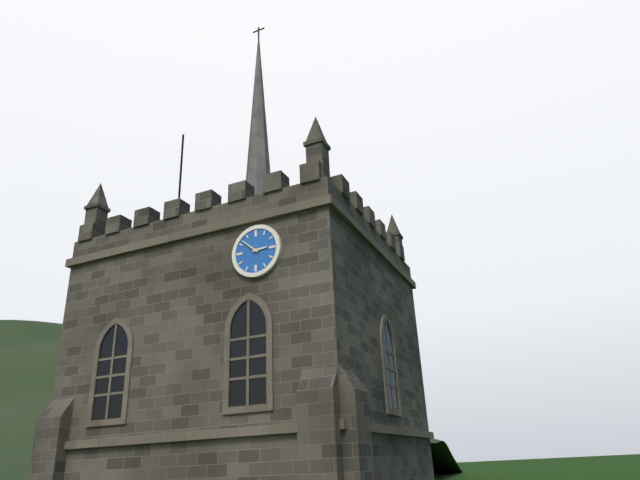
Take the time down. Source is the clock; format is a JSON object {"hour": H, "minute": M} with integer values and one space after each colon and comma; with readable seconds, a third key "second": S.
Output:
{"hour": 2, "minute": 52}
